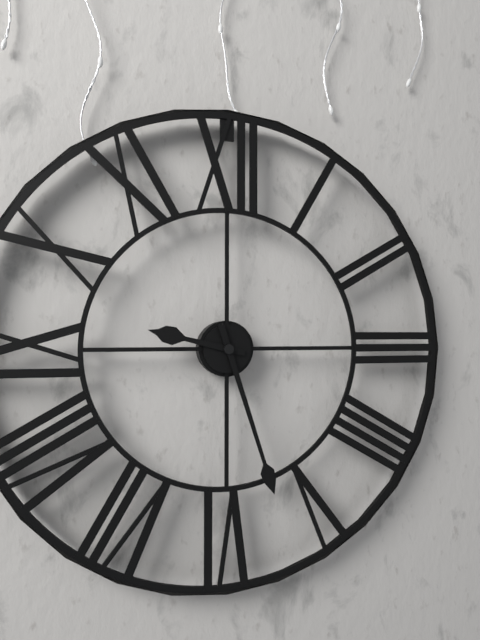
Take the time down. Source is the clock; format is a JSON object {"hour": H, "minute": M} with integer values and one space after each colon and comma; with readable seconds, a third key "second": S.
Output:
{"hour": 9, "minute": 27}
